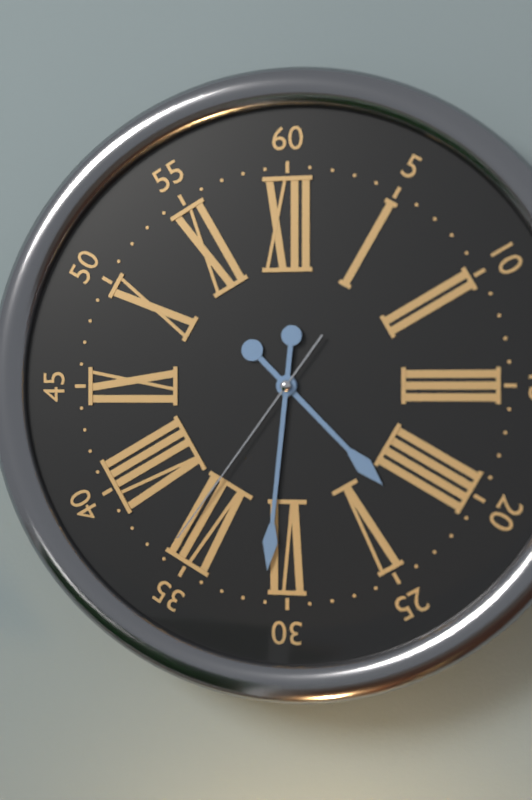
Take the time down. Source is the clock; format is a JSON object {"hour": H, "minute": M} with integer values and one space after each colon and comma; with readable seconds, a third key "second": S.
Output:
{"hour": 4, "minute": 31, "second": 36}
